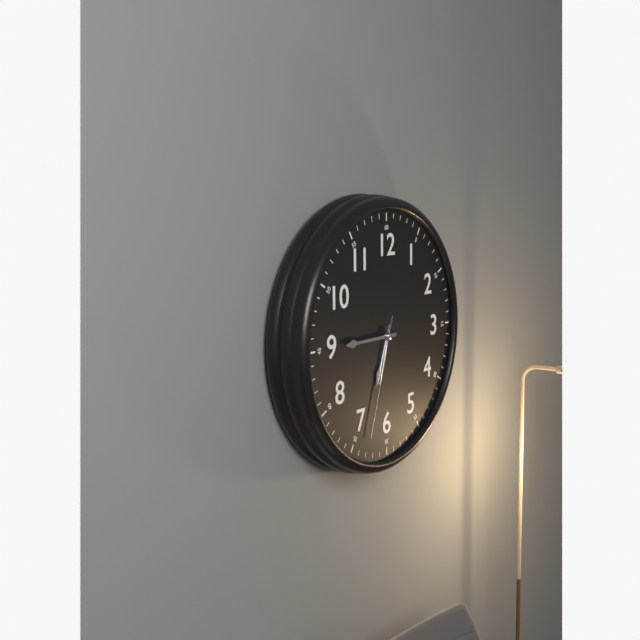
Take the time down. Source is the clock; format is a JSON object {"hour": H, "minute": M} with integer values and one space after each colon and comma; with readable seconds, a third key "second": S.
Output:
{"hour": 6, "minute": 45, "second": 33}
